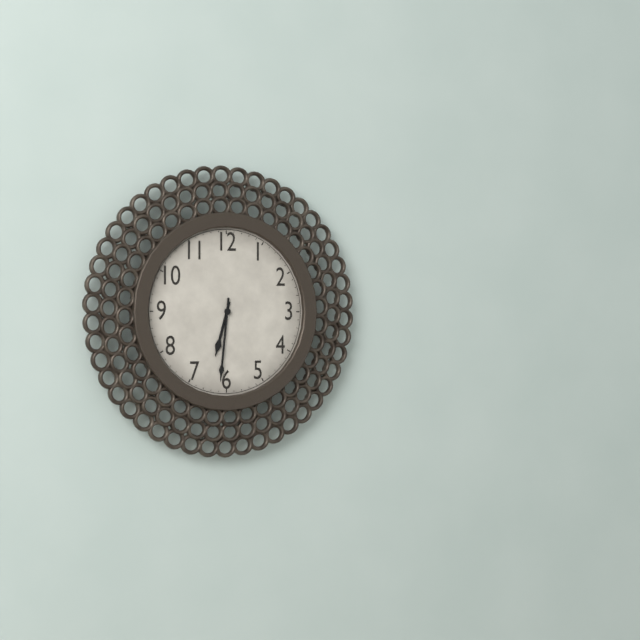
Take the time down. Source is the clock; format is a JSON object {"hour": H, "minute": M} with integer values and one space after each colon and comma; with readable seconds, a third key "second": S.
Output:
{"hour": 6, "minute": 31}
